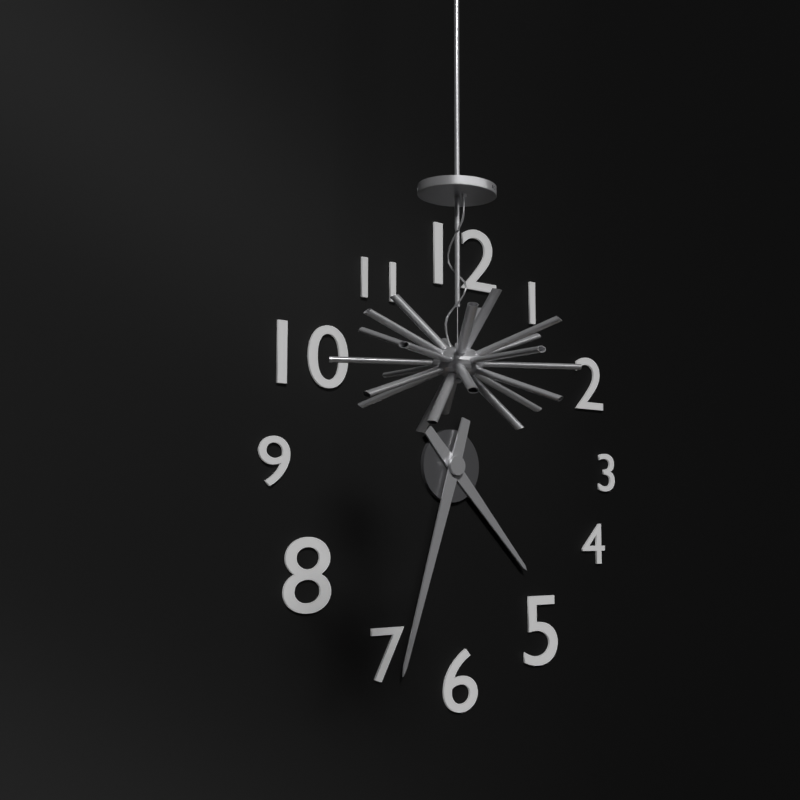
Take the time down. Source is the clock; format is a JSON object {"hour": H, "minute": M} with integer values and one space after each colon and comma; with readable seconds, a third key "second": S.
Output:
{"hour": 4, "minute": 33}
